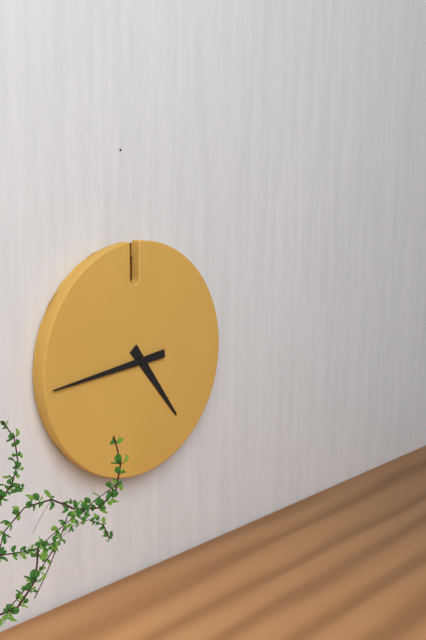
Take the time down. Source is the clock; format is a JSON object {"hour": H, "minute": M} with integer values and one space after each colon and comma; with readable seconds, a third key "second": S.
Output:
{"hour": 4, "minute": 44}
